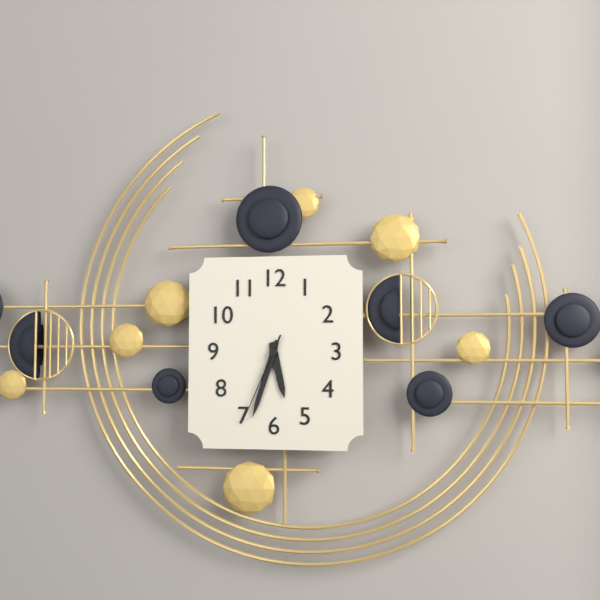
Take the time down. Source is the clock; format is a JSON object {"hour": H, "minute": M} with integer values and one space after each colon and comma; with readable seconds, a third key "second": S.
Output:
{"hour": 5, "minute": 33, "second": 34}
